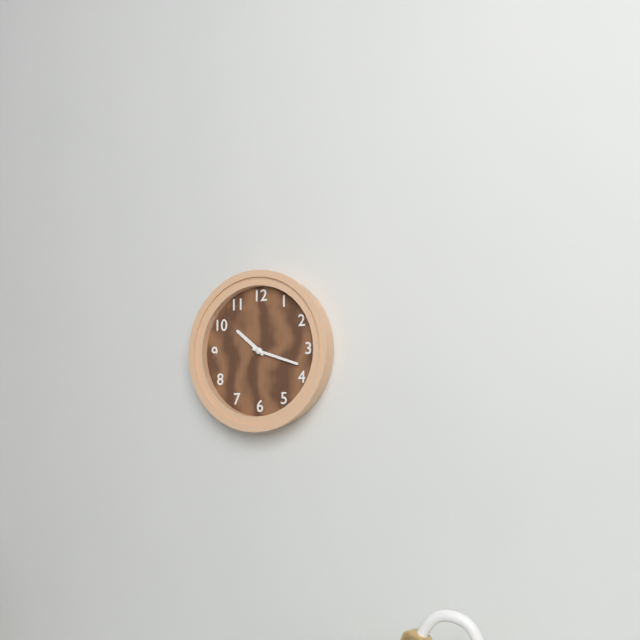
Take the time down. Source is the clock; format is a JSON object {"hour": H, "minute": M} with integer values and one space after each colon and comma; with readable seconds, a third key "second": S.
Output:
{"hour": 10, "minute": 18}
